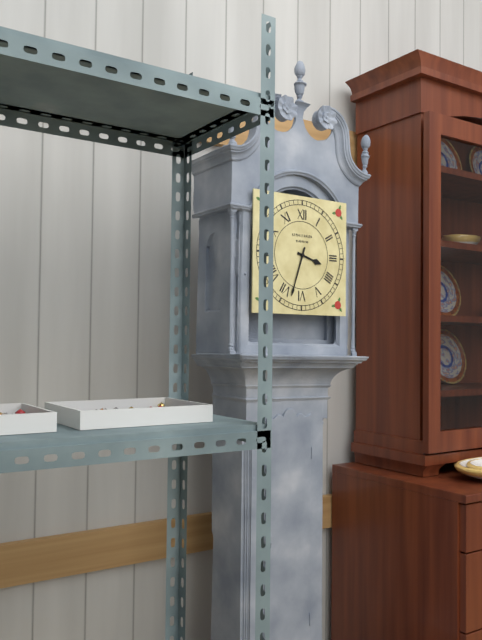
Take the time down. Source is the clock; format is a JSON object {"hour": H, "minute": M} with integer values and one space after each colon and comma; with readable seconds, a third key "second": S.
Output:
{"hour": 3, "minute": 33}
